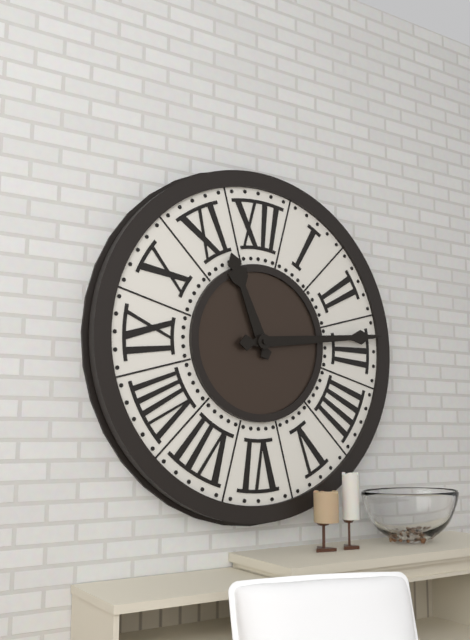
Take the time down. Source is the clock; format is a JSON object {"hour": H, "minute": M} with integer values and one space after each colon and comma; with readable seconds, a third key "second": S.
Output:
{"hour": 11, "minute": 14}
